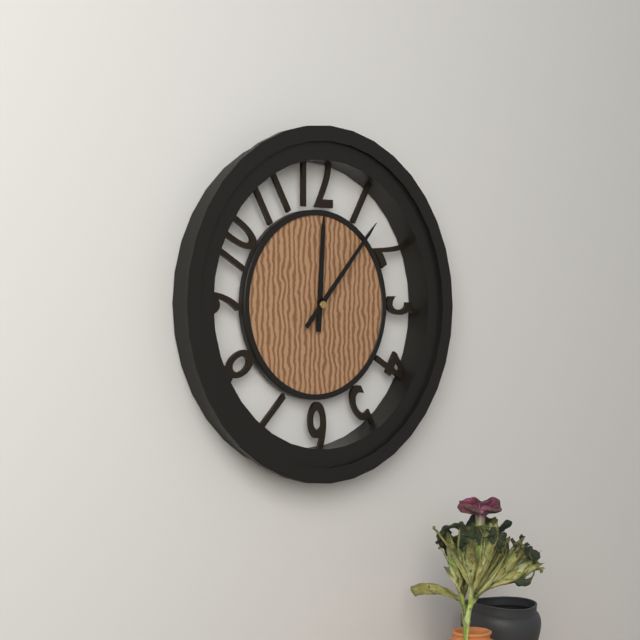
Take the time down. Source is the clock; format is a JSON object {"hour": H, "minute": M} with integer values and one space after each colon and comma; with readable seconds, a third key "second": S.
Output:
{"hour": 12, "minute": 7}
